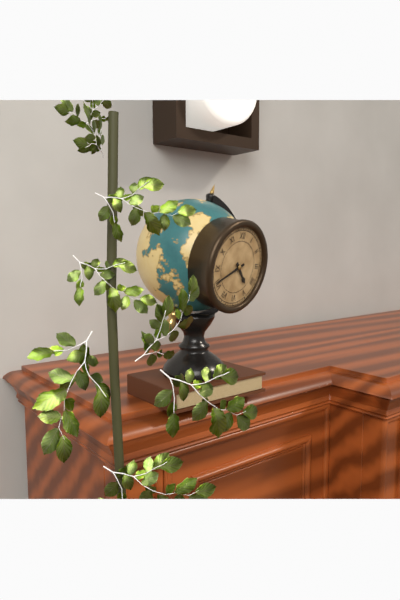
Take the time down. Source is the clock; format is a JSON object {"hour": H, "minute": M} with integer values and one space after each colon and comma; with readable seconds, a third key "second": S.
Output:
{"hour": 4, "minute": 41}
